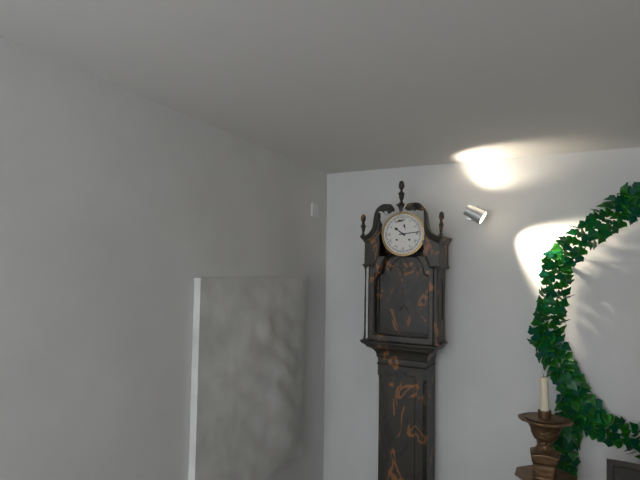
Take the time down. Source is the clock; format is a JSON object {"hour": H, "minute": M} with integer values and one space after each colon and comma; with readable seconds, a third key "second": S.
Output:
{"hour": 10, "minute": 14}
